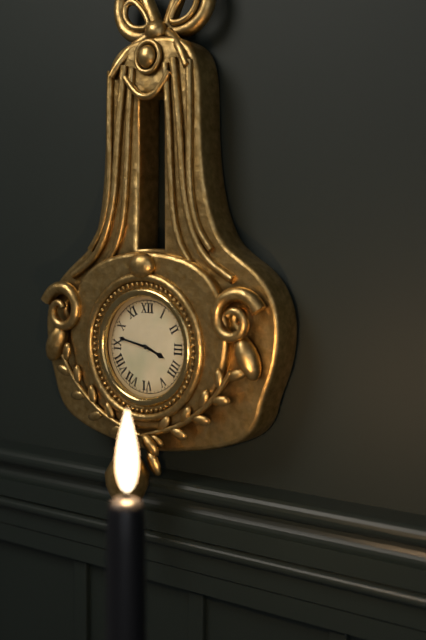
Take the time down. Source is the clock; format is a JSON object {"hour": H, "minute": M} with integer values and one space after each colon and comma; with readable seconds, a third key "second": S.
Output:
{"hour": 3, "minute": 47}
